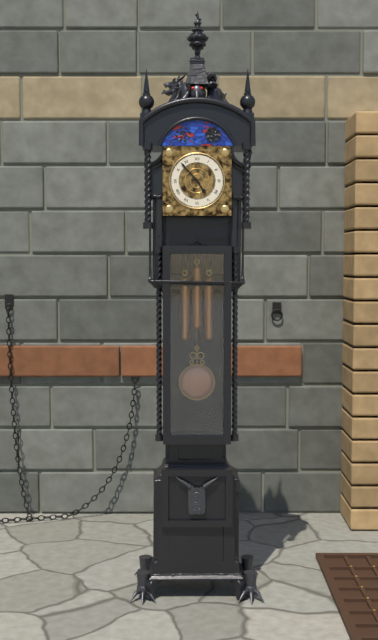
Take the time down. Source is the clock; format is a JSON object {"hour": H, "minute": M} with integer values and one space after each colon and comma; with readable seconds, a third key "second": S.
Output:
{"hour": 4, "minute": 53}
